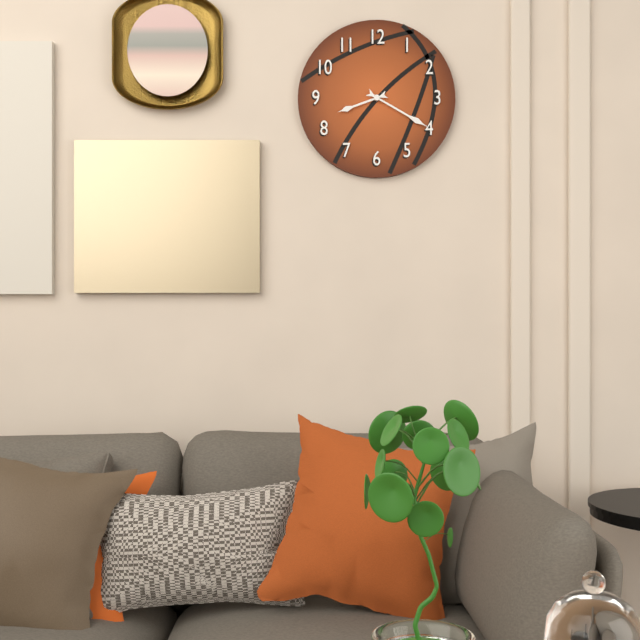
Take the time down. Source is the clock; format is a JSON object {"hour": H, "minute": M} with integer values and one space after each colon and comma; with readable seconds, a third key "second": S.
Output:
{"hour": 8, "minute": 20}
